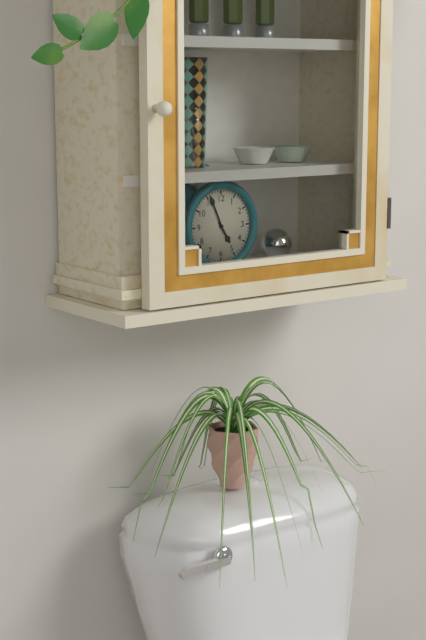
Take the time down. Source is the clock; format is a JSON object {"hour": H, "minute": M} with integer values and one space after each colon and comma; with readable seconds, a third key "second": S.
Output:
{"hour": 4, "minute": 56}
